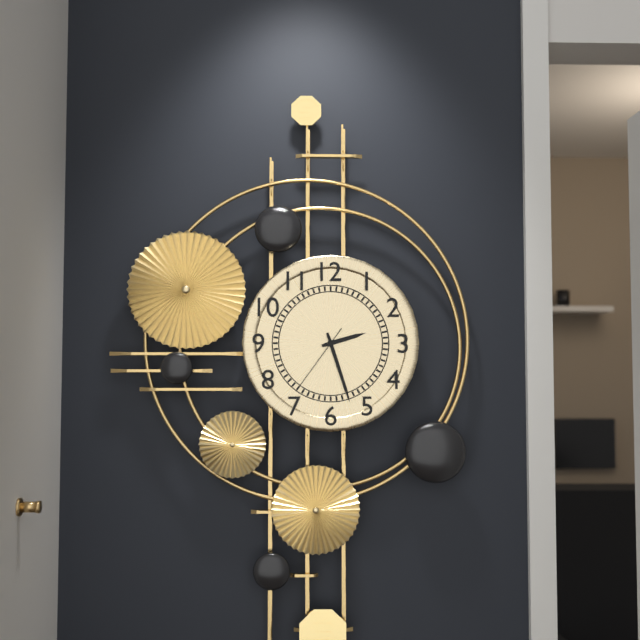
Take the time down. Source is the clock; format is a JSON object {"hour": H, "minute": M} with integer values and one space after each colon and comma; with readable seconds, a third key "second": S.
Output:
{"hour": 2, "minute": 27, "second": 36}
